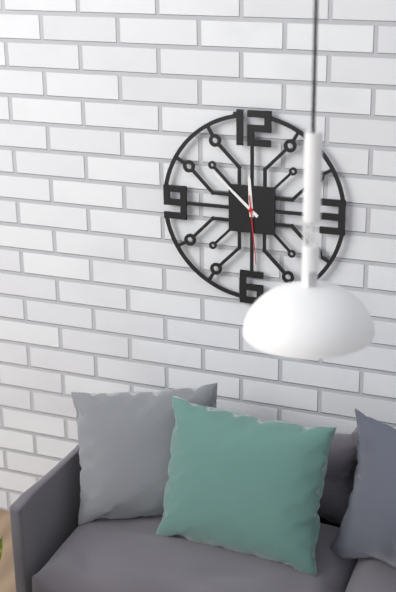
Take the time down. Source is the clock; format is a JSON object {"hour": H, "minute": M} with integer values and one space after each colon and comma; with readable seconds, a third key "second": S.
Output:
{"hour": 11, "minute": 52, "second": 29}
